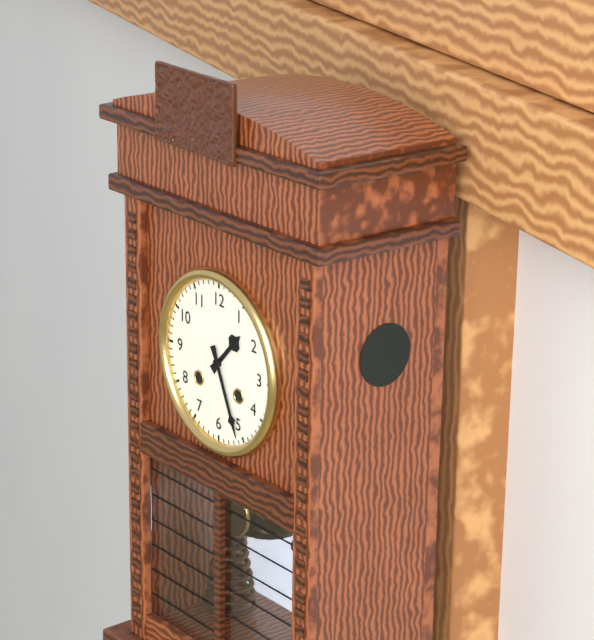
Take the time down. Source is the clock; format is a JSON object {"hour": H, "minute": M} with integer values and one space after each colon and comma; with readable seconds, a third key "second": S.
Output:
{"hour": 1, "minute": 26}
